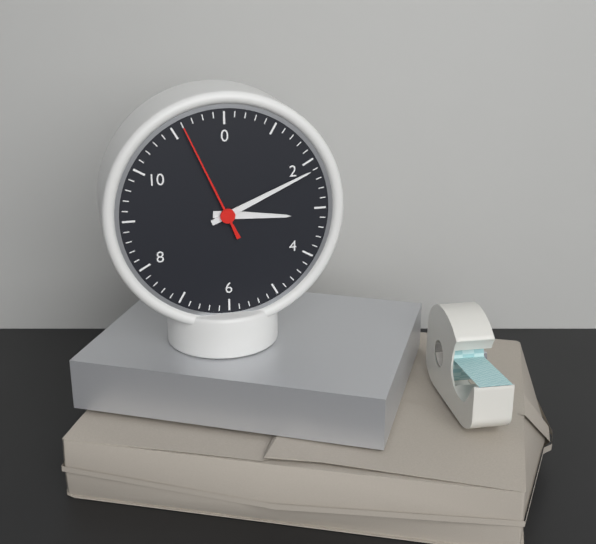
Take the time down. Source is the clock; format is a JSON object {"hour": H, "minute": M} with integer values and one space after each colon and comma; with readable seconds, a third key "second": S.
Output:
{"hour": 3, "minute": 11, "second": 56}
